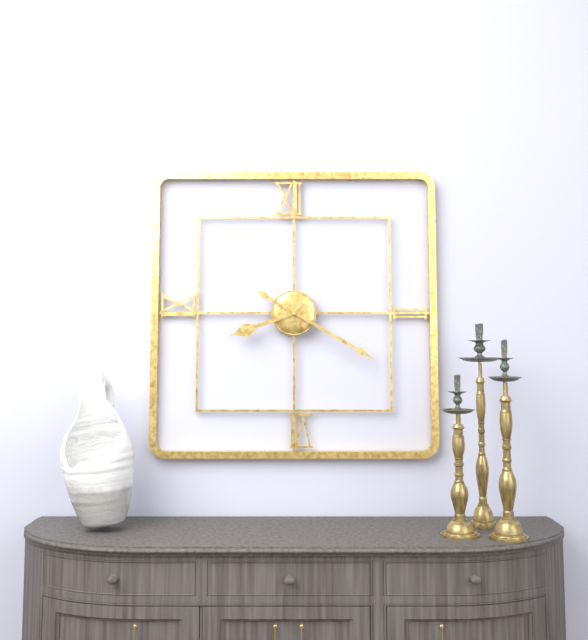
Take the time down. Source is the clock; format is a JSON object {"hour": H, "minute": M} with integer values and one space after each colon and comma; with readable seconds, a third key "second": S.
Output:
{"hour": 8, "minute": 20}
